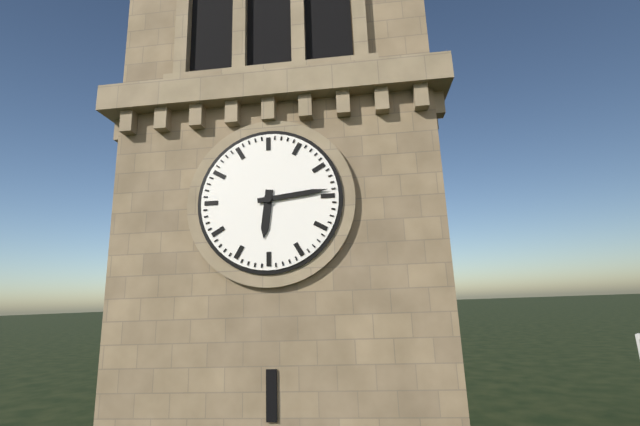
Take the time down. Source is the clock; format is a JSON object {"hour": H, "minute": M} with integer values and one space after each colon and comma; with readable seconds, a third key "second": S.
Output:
{"hour": 6, "minute": 14}
